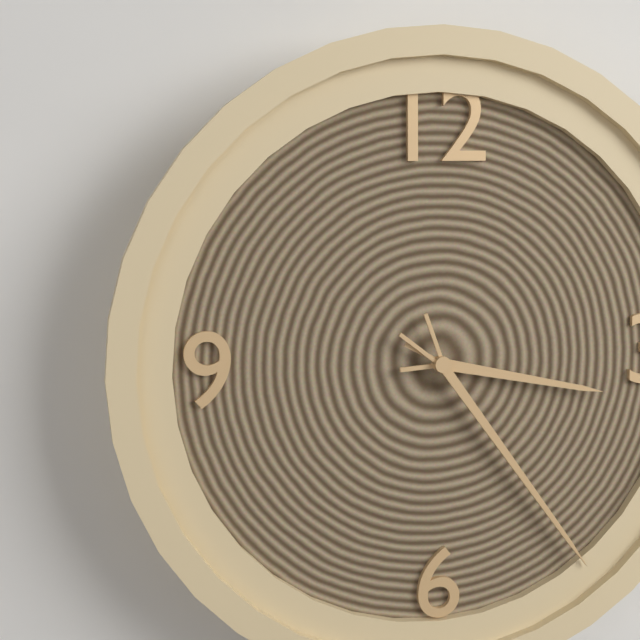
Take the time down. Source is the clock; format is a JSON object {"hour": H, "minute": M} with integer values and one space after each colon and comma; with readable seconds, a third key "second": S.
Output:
{"hour": 3, "minute": 24}
